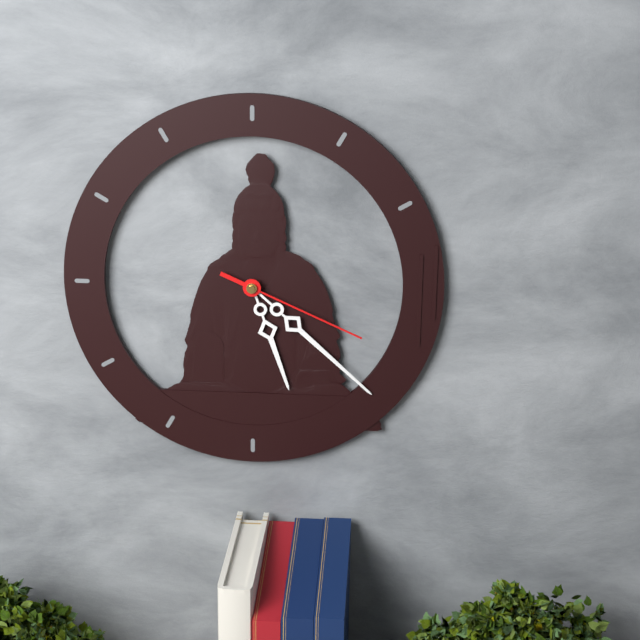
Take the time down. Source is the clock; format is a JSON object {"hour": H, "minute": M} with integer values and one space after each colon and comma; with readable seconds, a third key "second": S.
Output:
{"hour": 5, "minute": 22, "second": 19}
